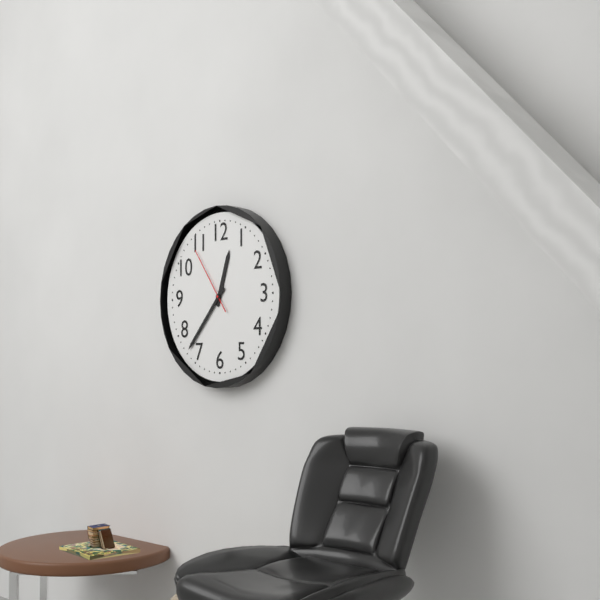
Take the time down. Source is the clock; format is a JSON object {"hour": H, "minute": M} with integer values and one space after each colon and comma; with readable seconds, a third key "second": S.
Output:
{"hour": 12, "minute": 37, "second": 54}
